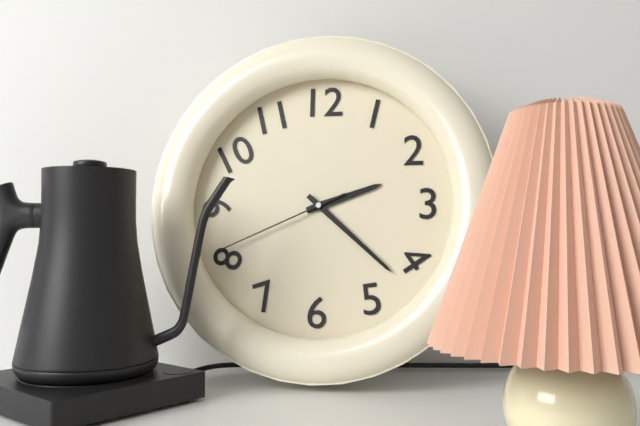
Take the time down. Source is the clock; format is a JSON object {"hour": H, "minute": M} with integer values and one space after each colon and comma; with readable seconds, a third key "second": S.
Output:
{"hour": 2, "minute": 22, "second": 41}
